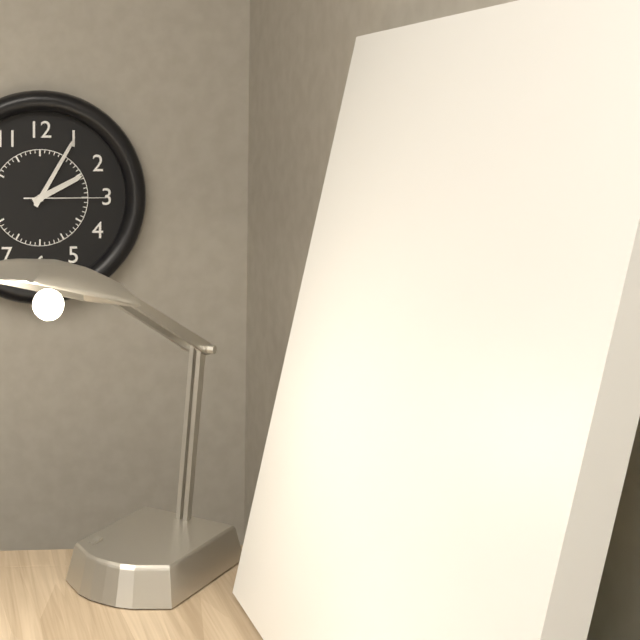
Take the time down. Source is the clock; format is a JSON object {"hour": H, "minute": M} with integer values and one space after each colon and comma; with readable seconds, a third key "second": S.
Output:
{"hour": 2, "minute": 5, "second": 15}
